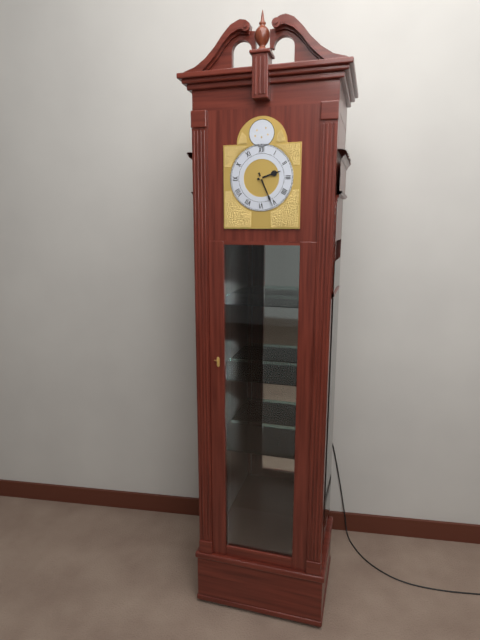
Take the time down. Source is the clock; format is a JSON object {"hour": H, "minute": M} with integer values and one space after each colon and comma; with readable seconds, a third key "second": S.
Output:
{"hour": 2, "minute": 26}
